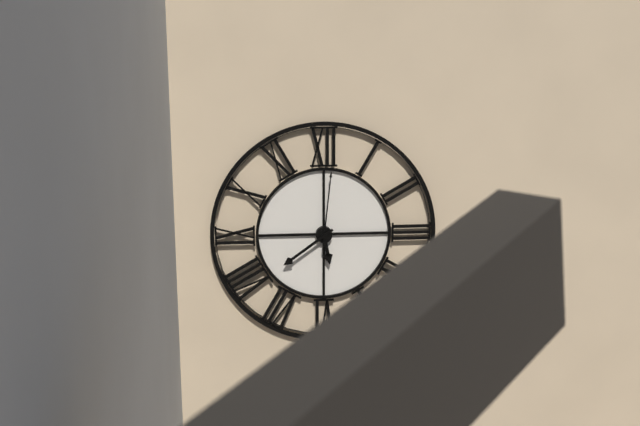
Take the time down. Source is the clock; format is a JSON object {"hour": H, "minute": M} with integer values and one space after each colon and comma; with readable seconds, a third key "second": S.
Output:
{"hour": 5, "minute": 39, "second": 1}
